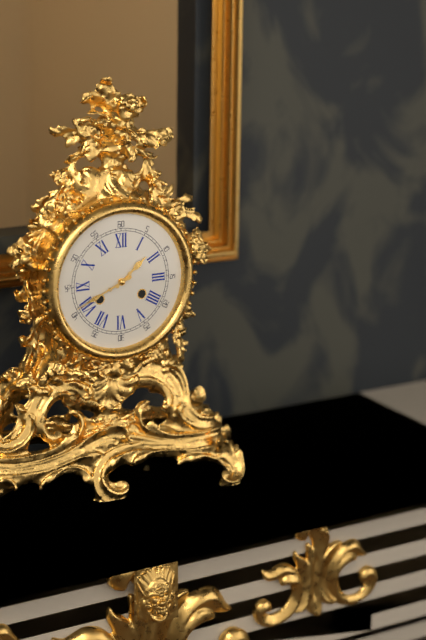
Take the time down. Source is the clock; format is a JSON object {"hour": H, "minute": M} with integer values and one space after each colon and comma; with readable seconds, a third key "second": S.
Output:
{"hour": 1, "minute": 41}
